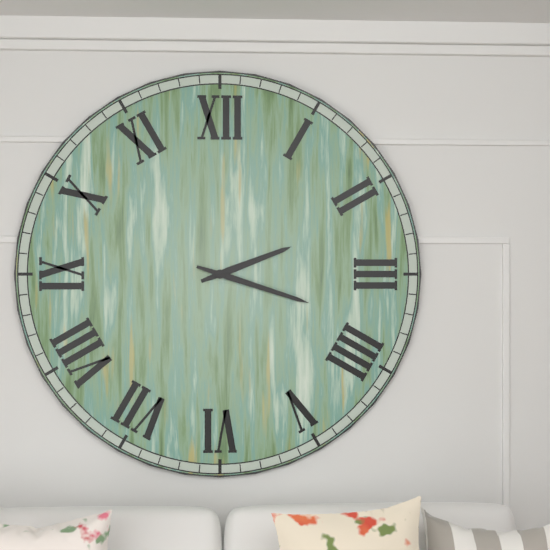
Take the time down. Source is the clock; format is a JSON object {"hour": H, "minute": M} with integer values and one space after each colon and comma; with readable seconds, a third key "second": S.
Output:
{"hour": 2, "minute": 18}
